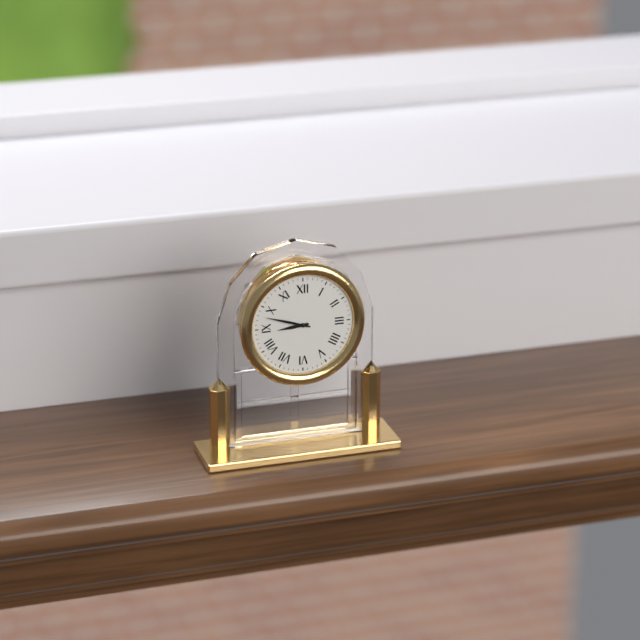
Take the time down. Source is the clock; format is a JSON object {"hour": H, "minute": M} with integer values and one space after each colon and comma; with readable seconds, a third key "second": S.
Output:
{"hour": 8, "minute": 48}
